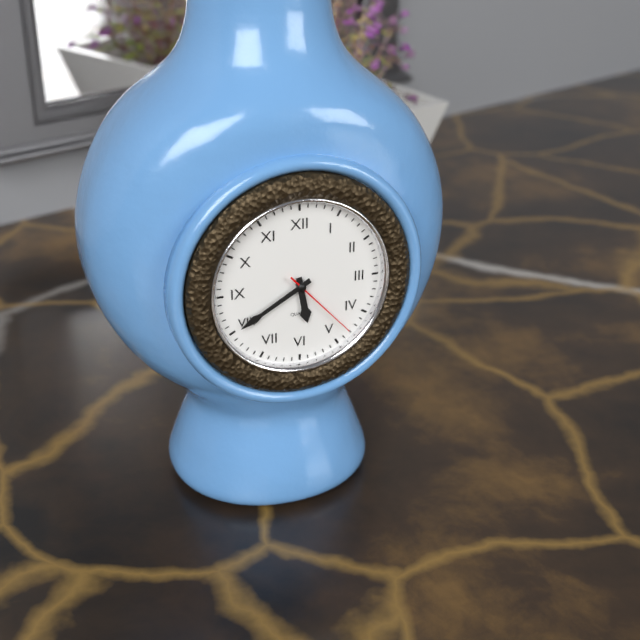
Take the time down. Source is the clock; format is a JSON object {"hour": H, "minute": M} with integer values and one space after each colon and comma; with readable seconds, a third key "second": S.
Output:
{"hour": 5, "minute": 40, "second": 23}
